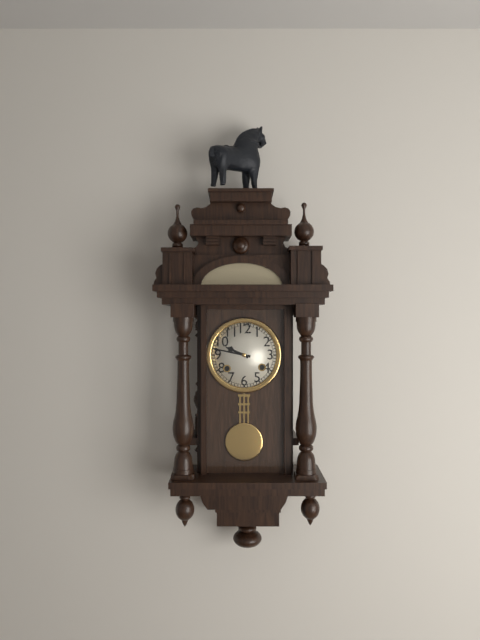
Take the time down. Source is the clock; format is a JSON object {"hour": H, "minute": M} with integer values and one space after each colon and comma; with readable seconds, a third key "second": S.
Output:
{"hour": 9, "minute": 47}
